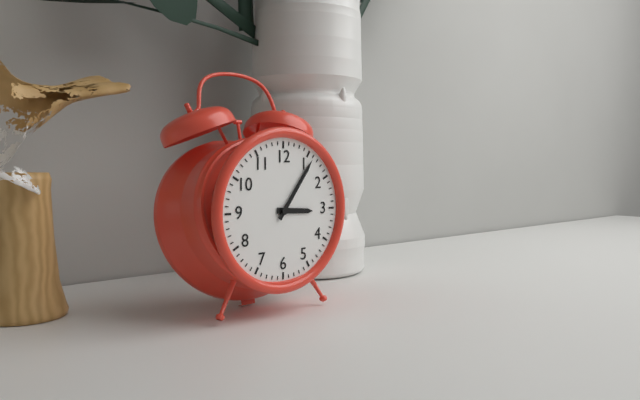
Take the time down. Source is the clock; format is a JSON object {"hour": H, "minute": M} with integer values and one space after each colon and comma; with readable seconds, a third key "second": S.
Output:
{"hour": 3, "minute": 6}
